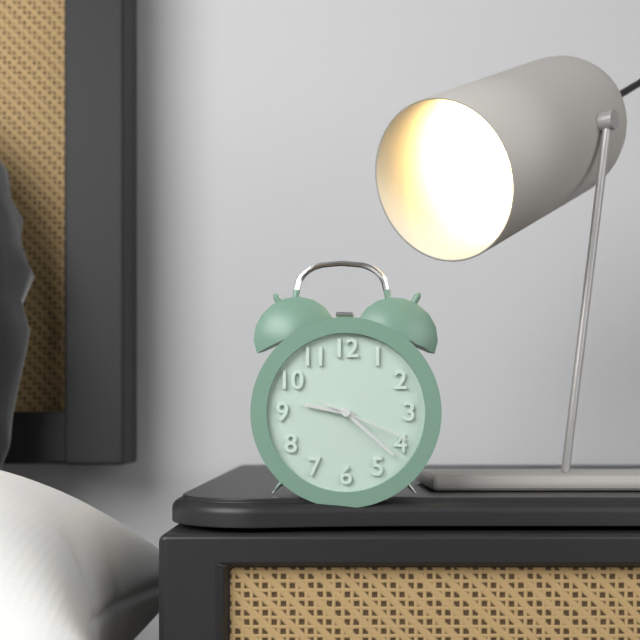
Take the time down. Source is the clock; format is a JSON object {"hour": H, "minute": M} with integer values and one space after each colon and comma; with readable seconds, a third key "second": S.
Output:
{"hour": 9, "minute": 22, "second": 19}
